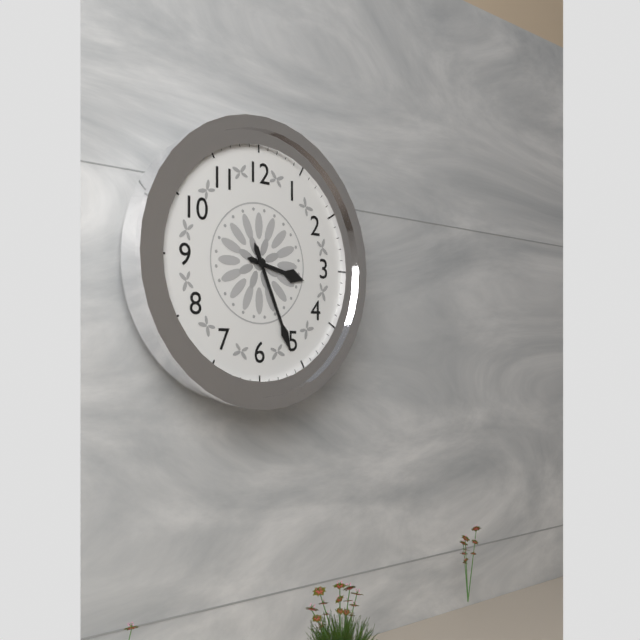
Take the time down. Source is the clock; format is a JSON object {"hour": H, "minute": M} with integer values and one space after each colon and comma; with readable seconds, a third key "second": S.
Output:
{"hour": 3, "minute": 26}
